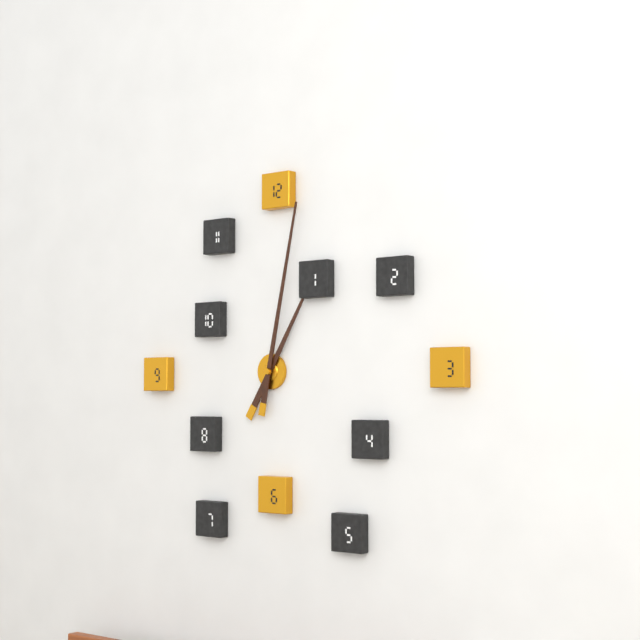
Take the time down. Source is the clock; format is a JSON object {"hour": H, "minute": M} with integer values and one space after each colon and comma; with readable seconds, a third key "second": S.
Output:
{"hour": 1, "minute": 2}
